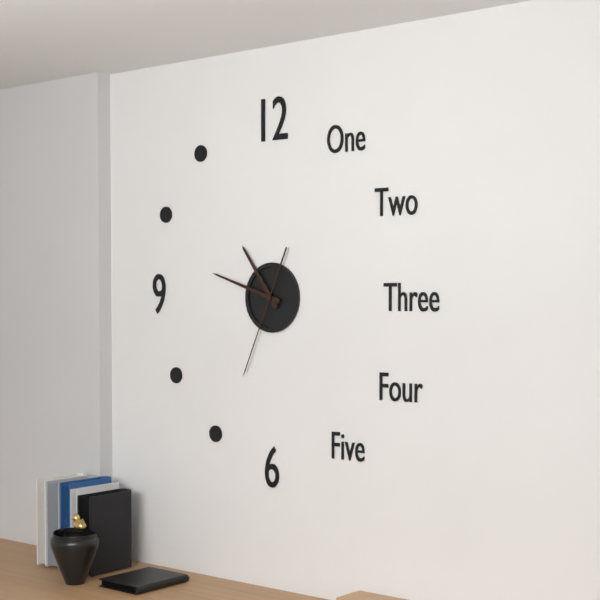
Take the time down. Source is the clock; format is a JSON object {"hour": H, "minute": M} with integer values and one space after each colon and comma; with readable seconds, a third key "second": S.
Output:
{"hour": 10, "minute": 48, "second": 34}
